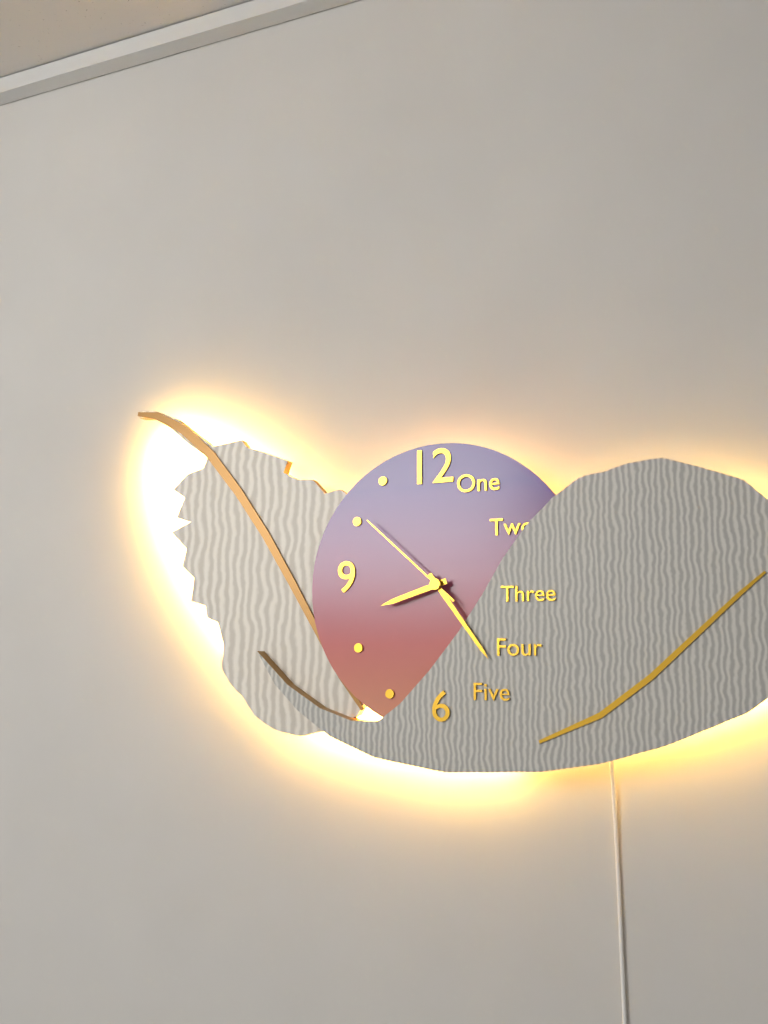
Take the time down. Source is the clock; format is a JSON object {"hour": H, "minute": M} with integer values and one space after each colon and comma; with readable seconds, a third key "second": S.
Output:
{"hour": 8, "minute": 24, "second": 52}
